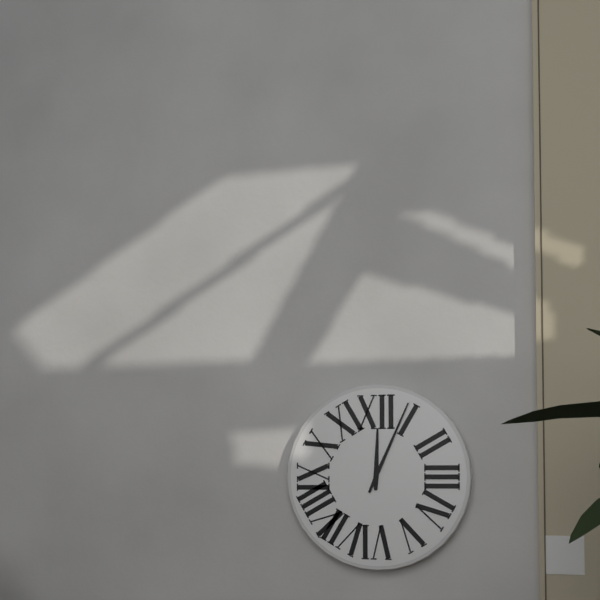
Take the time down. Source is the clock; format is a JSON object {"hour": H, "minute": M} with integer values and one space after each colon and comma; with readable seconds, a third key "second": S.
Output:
{"hour": 12, "minute": 4}
